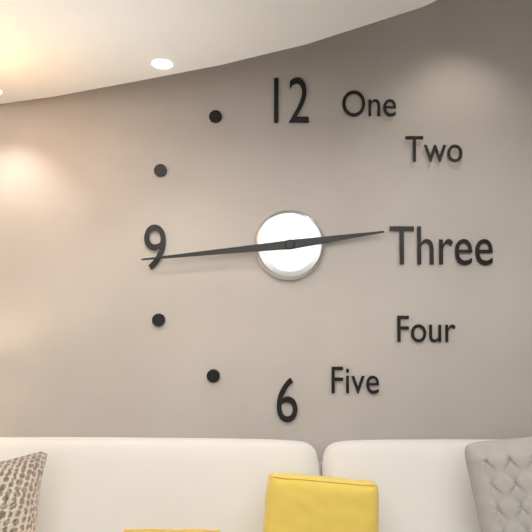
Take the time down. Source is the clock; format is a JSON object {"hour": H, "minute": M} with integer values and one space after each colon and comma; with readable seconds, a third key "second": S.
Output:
{"hour": 2, "minute": 44}
